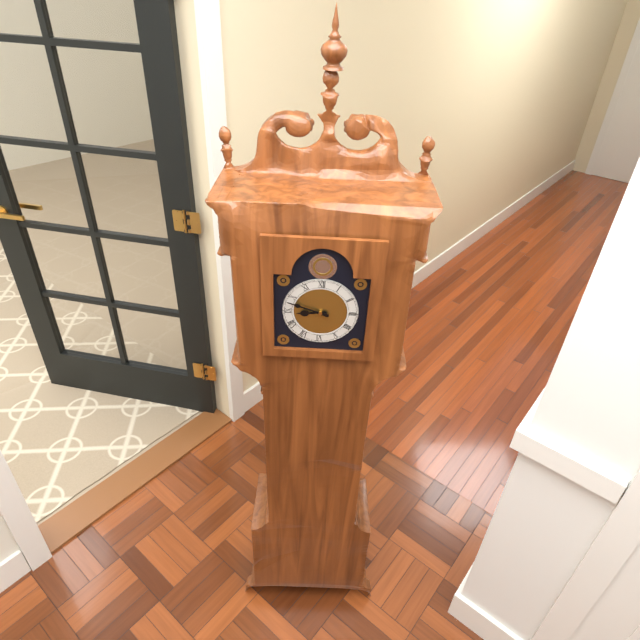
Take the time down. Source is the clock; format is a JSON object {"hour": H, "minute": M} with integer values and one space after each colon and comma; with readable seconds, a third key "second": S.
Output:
{"hour": 8, "minute": 48}
